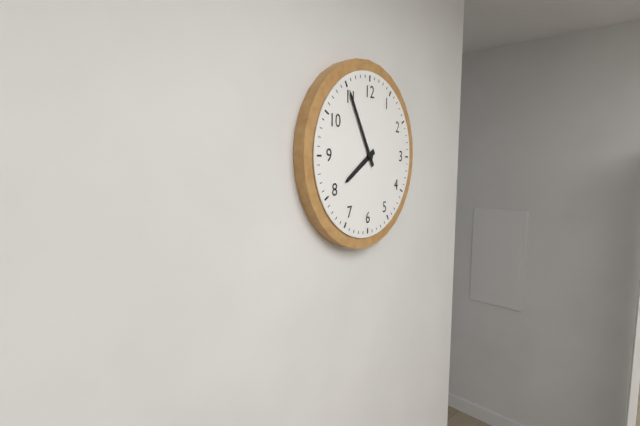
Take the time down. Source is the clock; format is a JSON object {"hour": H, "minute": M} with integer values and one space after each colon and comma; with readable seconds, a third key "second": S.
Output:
{"hour": 7, "minute": 55}
